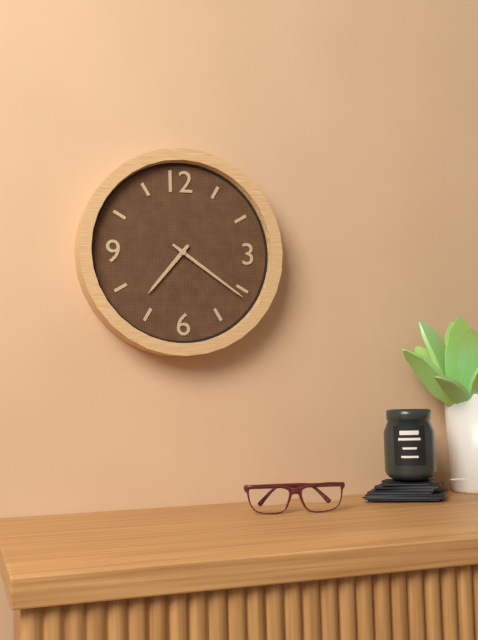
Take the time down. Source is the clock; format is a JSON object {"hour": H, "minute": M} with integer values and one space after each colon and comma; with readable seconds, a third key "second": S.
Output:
{"hour": 7, "minute": 21}
